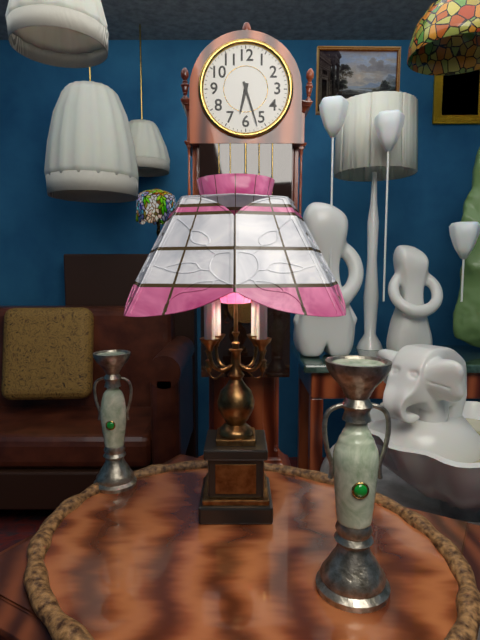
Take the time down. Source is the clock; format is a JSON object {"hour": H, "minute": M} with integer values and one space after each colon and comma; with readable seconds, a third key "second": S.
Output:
{"hour": 6, "minute": 27}
